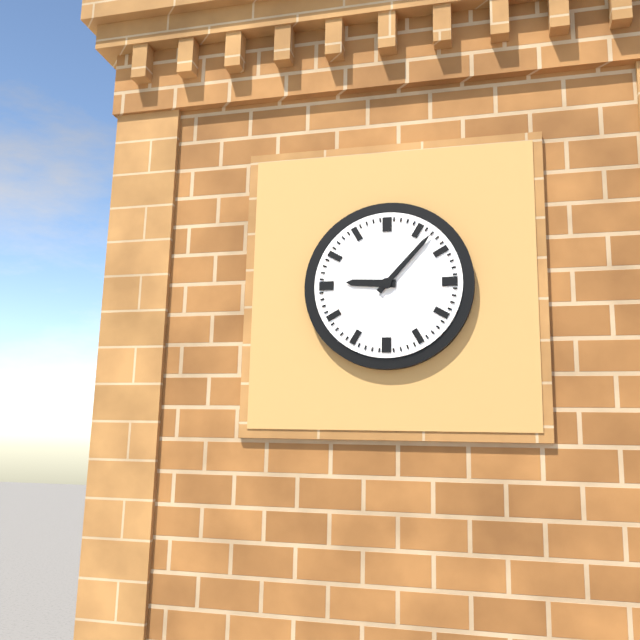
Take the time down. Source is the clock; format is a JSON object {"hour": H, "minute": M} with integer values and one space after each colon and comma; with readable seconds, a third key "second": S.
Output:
{"hour": 9, "minute": 7}
